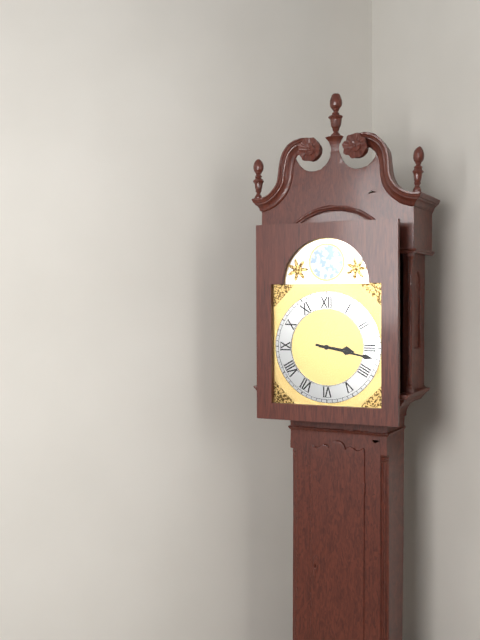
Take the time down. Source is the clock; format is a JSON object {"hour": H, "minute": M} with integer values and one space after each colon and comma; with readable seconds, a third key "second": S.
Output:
{"hour": 3, "minute": 17}
